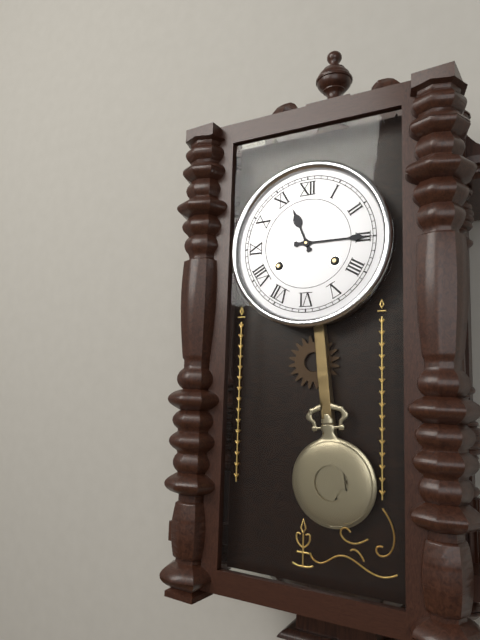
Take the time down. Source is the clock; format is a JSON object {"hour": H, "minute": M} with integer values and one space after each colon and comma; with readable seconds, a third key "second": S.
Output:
{"hour": 11, "minute": 15}
